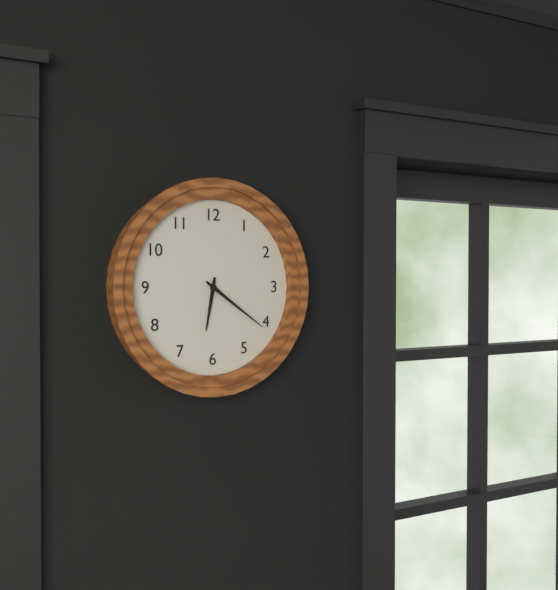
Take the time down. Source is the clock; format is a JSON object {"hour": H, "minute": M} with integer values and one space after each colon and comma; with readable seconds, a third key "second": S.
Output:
{"hour": 6, "minute": 21}
